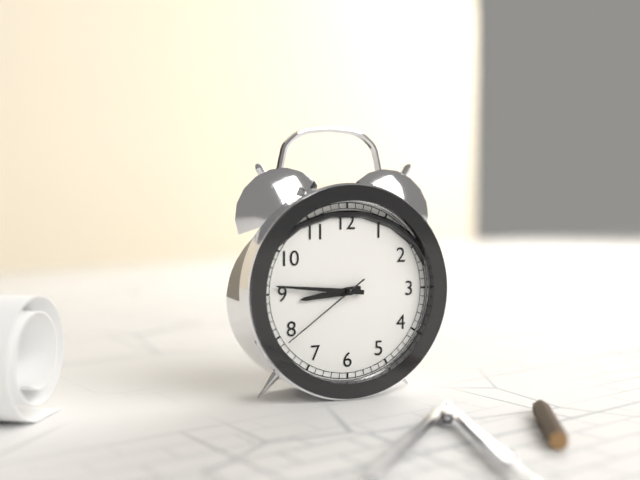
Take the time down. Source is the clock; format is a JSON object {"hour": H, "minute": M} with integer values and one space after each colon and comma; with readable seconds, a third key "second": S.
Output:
{"hour": 8, "minute": 46, "second": 39}
